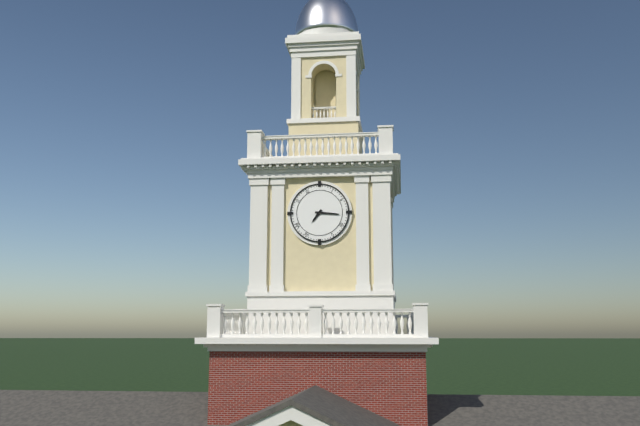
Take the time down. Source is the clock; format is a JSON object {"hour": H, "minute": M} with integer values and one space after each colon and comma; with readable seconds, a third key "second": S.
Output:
{"hour": 7, "minute": 16}
